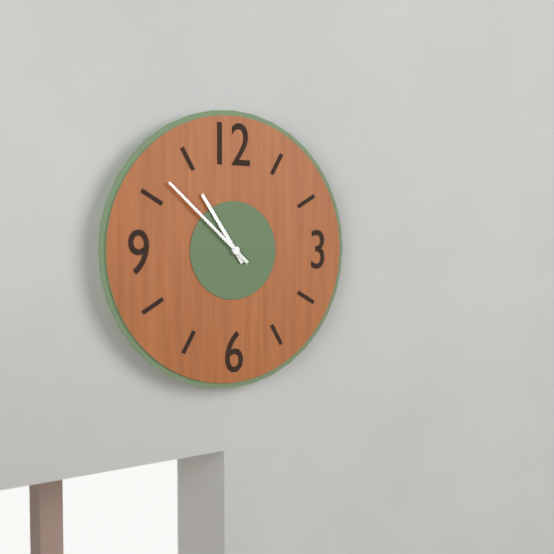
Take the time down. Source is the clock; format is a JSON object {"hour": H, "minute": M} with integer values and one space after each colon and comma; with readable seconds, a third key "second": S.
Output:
{"hour": 10, "minute": 52}
